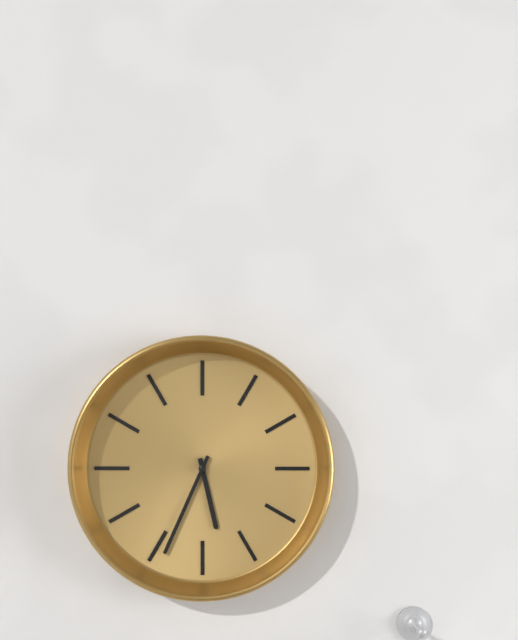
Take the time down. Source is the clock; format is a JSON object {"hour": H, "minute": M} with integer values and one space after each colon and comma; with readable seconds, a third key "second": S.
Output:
{"hour": 5, "minute": 34}
